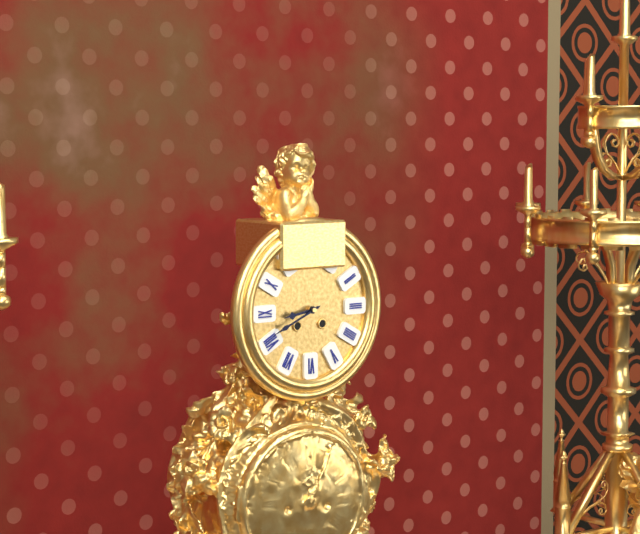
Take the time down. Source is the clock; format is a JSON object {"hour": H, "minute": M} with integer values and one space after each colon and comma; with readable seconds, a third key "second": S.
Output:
{"hour": 8, "minute": 41}
